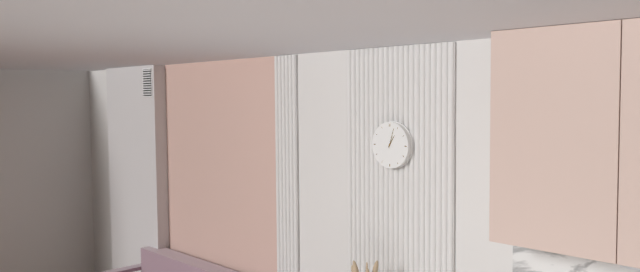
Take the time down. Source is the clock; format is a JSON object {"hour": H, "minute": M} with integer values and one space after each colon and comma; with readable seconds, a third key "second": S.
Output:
{"hour": 1, "minute": 3}
